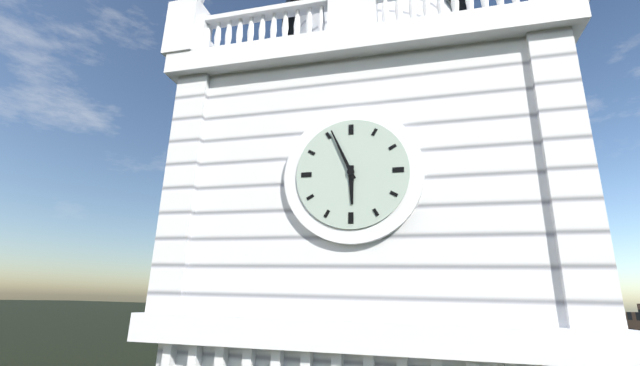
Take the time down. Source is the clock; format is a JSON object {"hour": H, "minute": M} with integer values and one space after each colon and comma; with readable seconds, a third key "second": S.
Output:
{"hour": 5, "minute": 56}
